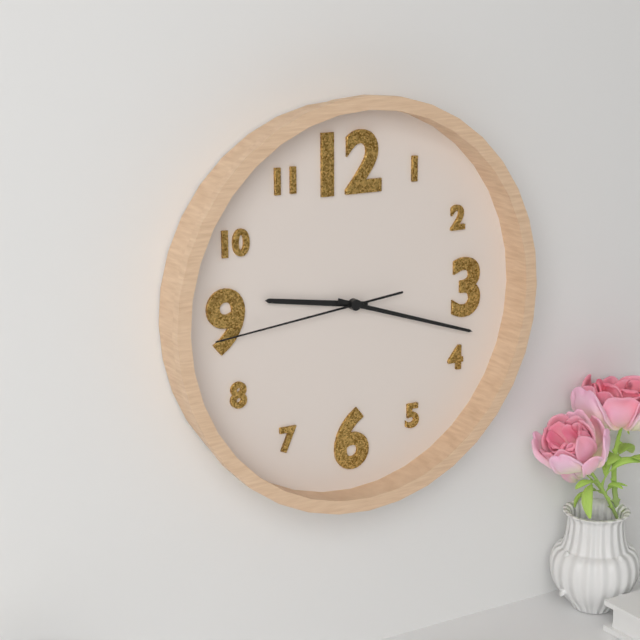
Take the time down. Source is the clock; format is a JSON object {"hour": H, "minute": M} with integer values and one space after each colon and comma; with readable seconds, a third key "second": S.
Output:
{"hour": 9, "minute": 18, "second": 44}
